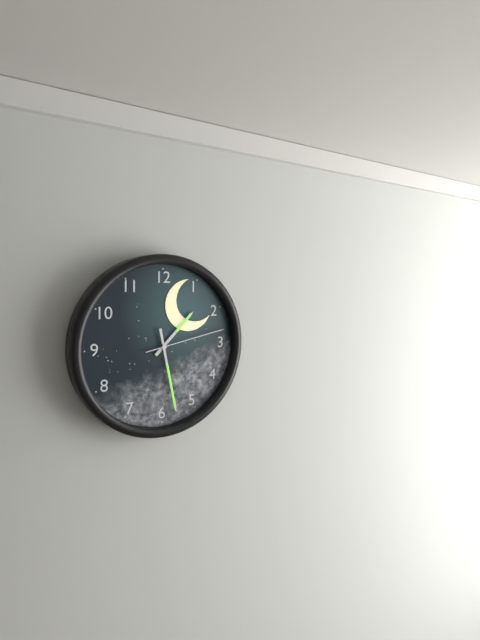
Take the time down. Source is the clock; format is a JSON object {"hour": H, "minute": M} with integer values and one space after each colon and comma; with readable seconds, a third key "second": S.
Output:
{"hour": 1, "minute": 28, "second": 13}
